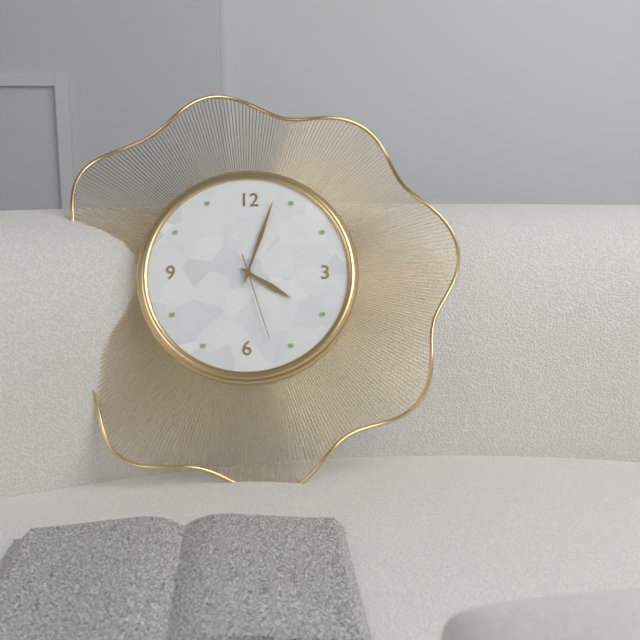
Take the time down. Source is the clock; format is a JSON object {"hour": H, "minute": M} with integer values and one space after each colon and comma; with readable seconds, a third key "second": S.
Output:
{"hour": 4, "minute": 3, "second": 27}
